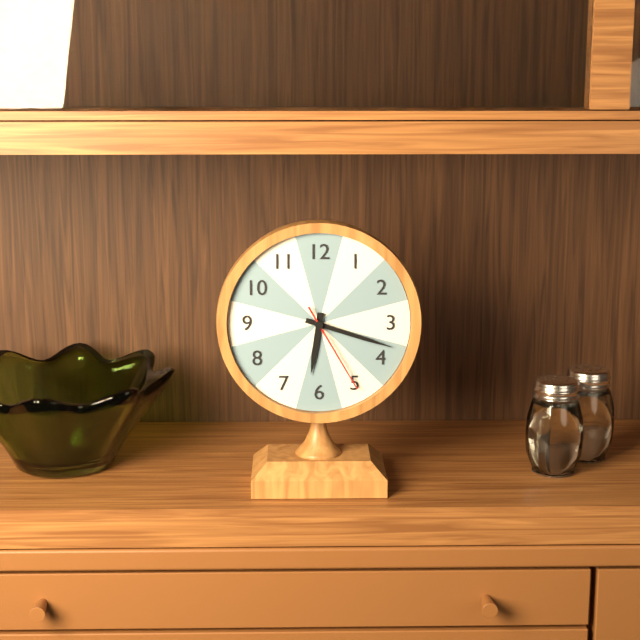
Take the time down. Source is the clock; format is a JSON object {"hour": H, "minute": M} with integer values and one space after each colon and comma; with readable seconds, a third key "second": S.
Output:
{"hour": 6, "minute": 18, "second": 25}
